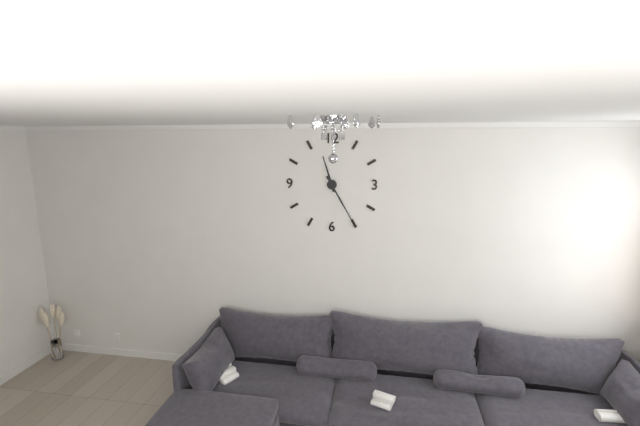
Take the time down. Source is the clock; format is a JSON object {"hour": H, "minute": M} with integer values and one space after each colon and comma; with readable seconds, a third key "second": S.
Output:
{"hour": 11, "minute": 25}
